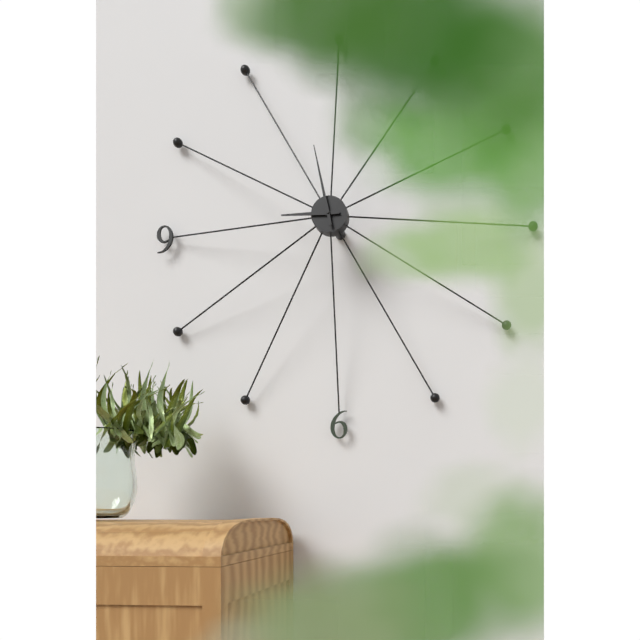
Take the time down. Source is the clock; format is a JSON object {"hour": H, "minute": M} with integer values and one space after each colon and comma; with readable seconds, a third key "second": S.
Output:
{"hour": 8, "minute": 58}
